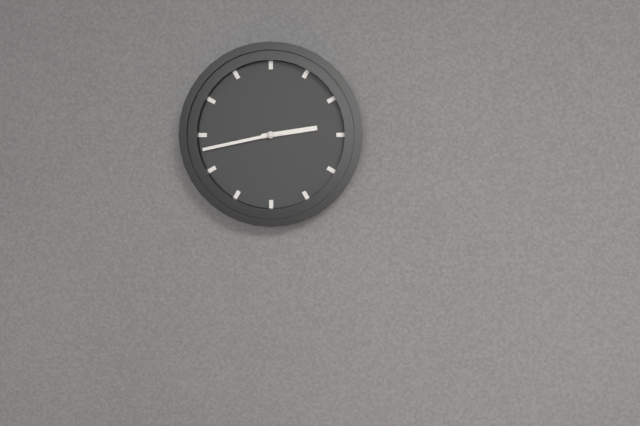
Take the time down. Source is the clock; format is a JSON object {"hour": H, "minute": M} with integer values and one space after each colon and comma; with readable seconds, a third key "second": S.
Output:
{"hour": 2, "minute": 43}
